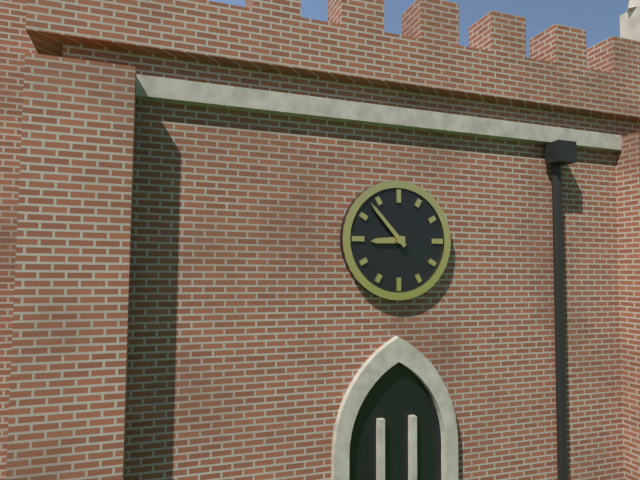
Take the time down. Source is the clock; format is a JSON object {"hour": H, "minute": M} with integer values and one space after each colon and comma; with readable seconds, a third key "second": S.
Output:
{"hour": 8, "minute": 53}
